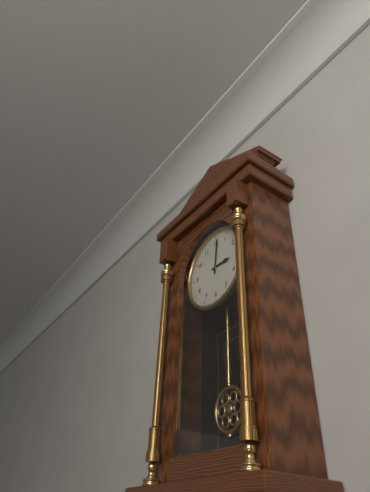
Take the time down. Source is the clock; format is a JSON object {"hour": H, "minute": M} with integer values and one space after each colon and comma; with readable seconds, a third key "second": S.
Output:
{"hour": 3, "minute": 1}
